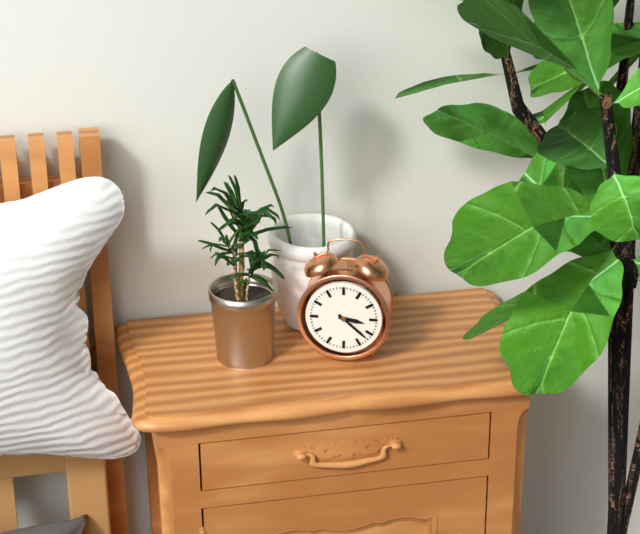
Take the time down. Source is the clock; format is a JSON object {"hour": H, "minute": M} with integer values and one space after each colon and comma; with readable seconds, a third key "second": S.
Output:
{"hour": 3, "minute": 22}
